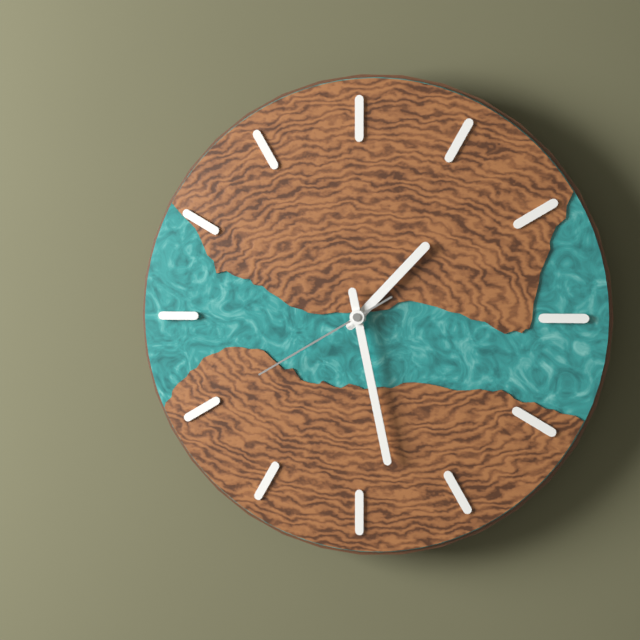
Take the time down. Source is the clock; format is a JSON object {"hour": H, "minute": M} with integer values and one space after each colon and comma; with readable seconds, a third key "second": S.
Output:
{"hour": 1, "minute": 28, "second": 40}
